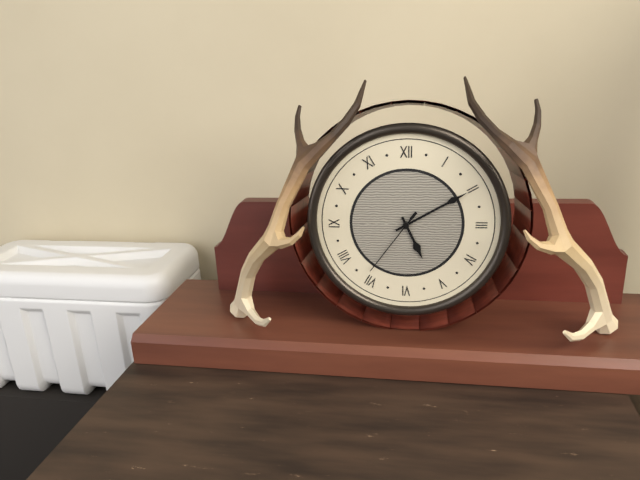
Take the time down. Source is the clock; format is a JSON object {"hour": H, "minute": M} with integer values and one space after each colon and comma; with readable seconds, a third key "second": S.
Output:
{"hour": 5, "minute": 10, "second": 36}
